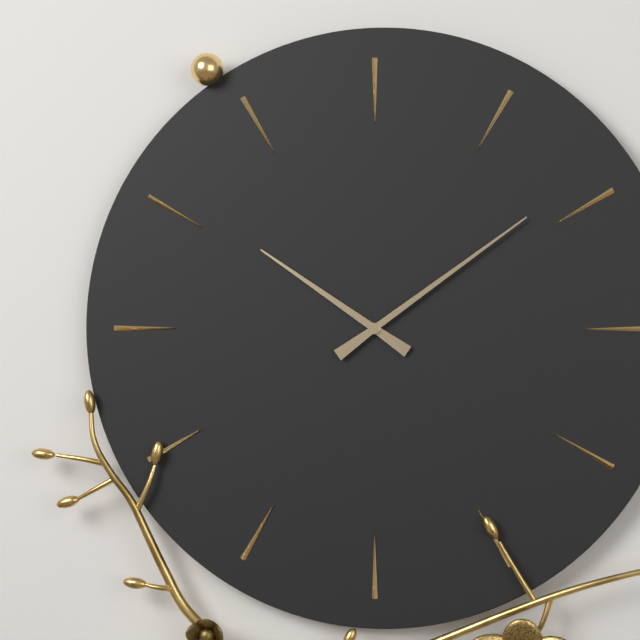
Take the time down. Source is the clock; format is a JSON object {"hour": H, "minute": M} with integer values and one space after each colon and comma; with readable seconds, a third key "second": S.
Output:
{"hour": 10, "minute": 9}
